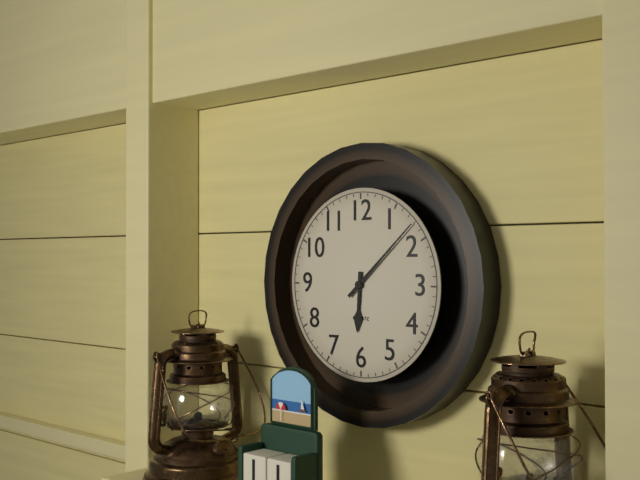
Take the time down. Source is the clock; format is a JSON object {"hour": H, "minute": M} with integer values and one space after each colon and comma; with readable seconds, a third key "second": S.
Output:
{"hour": 6, "minute": 8}
